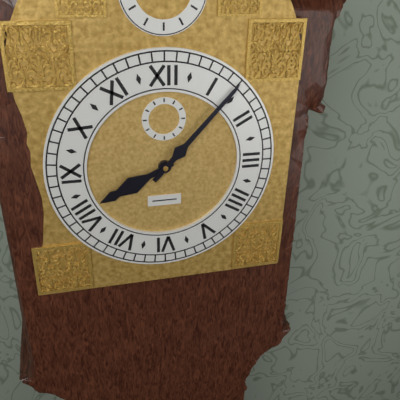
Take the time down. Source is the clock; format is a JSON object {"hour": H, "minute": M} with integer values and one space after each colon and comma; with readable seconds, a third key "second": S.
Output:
{"hour": 8, "minute": 7}
